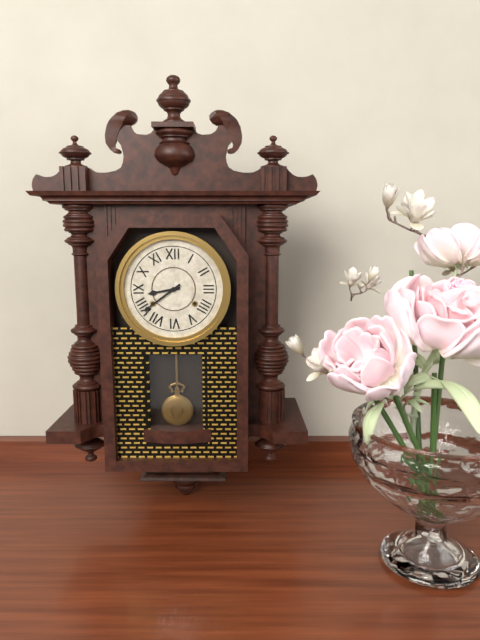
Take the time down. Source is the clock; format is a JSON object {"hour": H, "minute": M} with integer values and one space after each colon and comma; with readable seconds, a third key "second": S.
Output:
{"hour": 8, "minute": 39}
